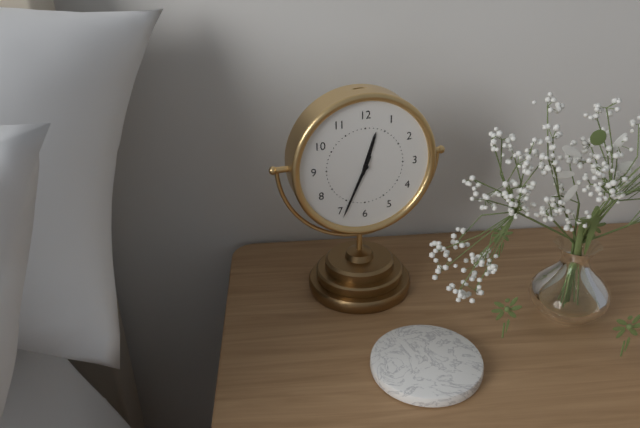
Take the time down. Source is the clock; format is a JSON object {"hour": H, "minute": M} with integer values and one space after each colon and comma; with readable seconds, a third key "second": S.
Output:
{"hour": 12, "minute": 34}
